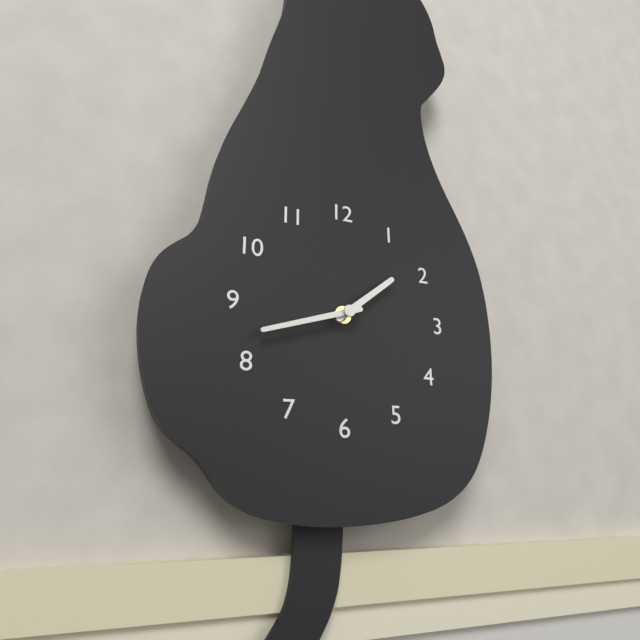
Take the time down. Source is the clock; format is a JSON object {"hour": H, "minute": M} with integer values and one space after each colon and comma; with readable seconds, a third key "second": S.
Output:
{"hour": 1, "minute": 42}
